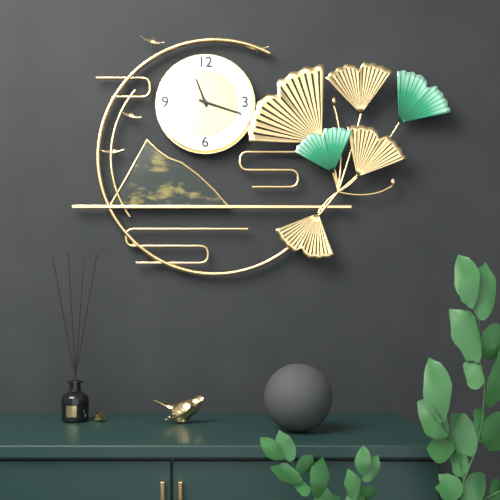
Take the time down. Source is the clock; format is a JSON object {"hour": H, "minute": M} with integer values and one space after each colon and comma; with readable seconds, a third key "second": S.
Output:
{"hour": 11, "minute": 18}
